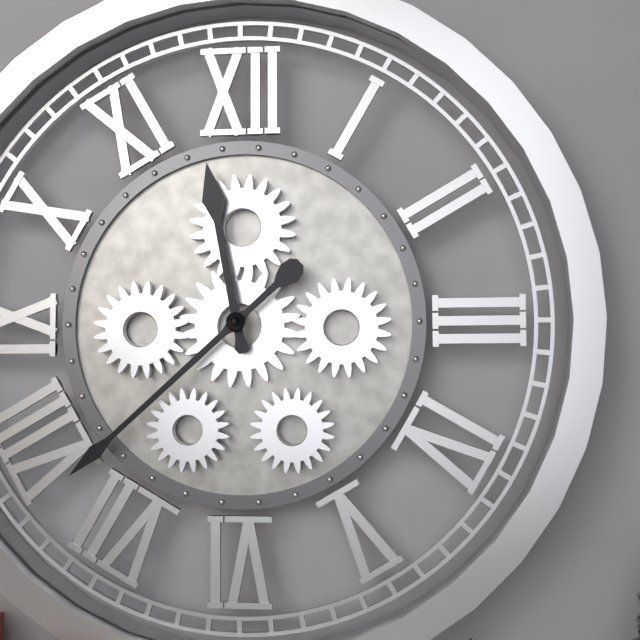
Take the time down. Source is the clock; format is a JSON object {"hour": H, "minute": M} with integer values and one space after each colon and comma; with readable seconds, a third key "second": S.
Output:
{"hour": 11, "minute": 38}
